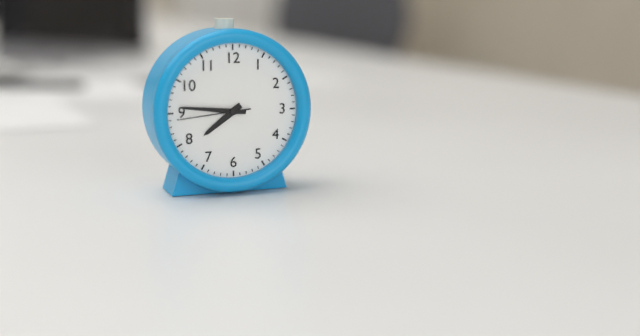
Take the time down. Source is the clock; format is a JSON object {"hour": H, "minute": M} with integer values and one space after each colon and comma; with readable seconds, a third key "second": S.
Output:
{"hour": 7, "minute": 46, "second": 44}
